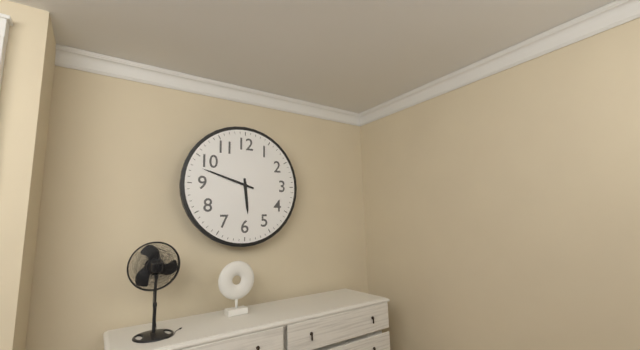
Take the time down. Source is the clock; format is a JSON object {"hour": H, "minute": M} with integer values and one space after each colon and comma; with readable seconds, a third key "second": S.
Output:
{"hour": 5, "minute": 48}
